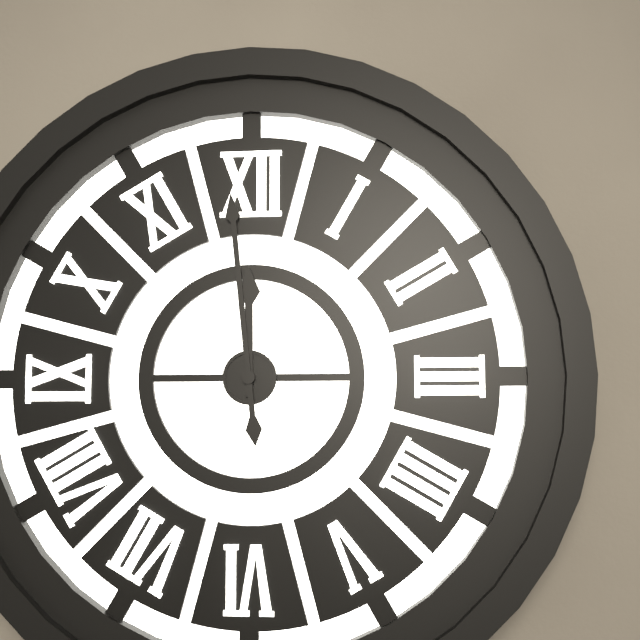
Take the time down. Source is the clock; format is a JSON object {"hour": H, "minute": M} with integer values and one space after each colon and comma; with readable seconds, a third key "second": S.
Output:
{"hour": 11, "minute": 59}
